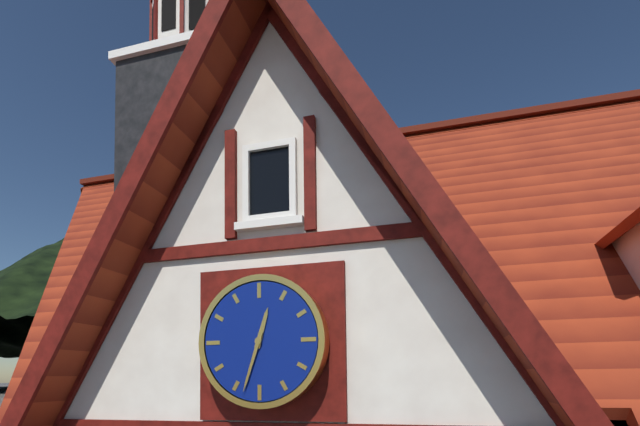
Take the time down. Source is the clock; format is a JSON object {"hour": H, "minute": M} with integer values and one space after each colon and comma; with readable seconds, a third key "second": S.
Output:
{"hour": 12, "minute": 33}
